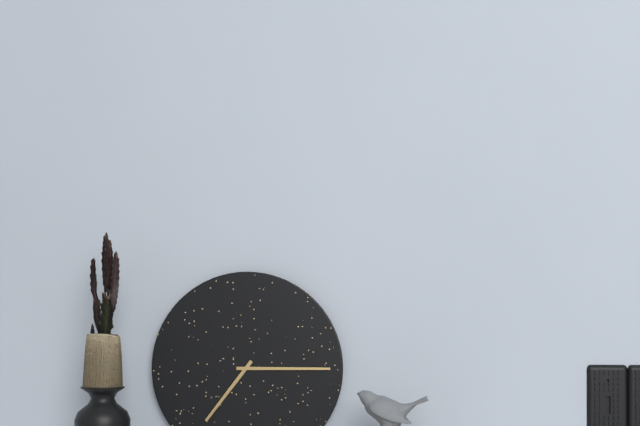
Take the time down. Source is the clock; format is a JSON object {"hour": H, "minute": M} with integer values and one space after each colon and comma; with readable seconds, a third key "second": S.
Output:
{"hour": 7, "minute": 15}
